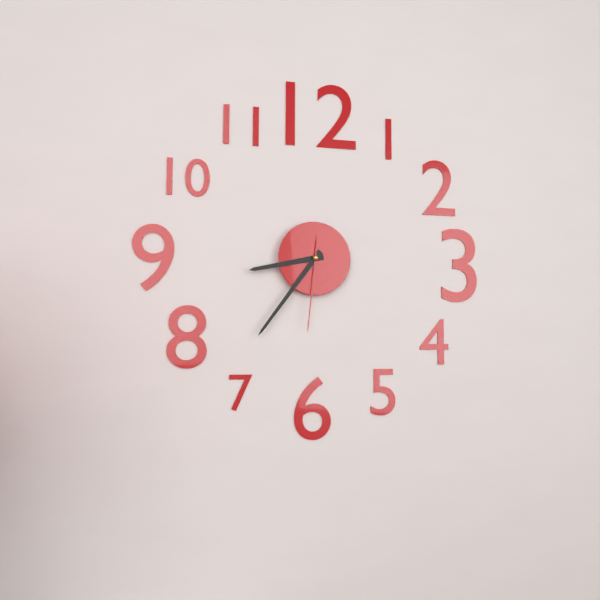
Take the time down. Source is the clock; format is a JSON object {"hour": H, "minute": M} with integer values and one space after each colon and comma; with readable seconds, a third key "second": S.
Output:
{"hour": 8, "minute": 36, "second": 31}
